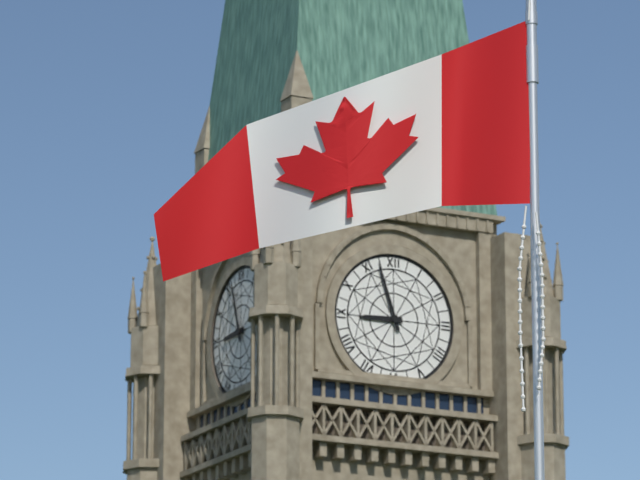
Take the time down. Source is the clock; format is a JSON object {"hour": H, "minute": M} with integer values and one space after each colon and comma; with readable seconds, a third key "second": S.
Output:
{"hour": 8, "minute": 57}
